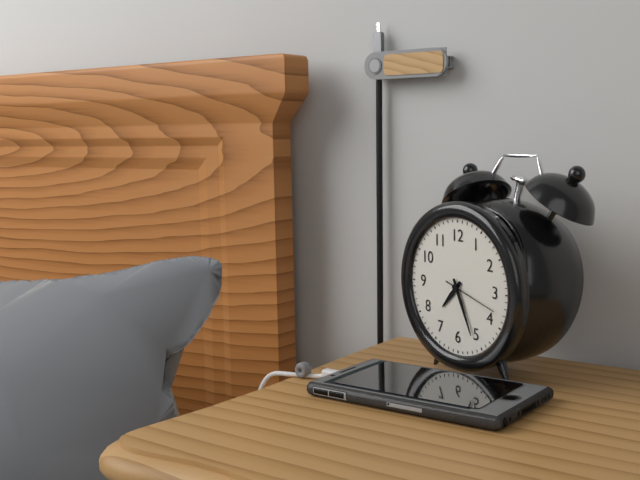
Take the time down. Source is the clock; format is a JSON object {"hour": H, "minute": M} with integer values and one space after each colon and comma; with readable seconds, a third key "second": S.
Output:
{"hour": 7, "minute": 26, "second": 18}
